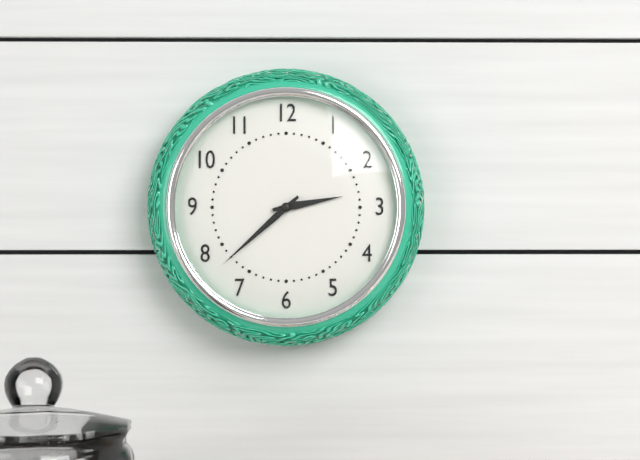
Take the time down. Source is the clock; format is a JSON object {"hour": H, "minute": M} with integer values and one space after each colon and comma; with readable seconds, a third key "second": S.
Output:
{"hour": 2, "minute": 38}
